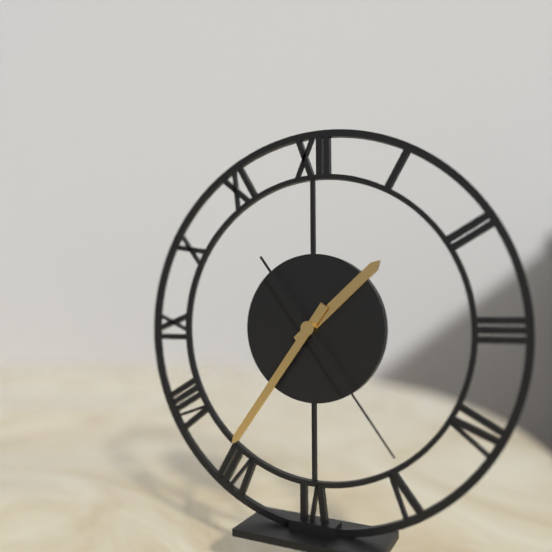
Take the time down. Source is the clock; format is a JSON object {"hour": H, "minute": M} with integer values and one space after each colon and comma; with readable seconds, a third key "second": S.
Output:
{"hour": 1, "minute": 36, "second": 24}
